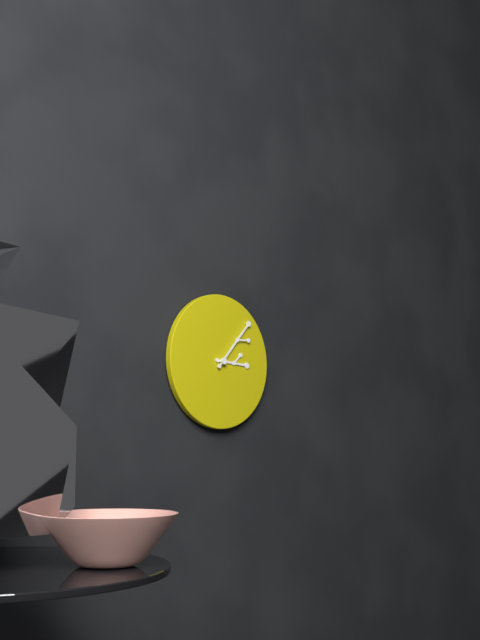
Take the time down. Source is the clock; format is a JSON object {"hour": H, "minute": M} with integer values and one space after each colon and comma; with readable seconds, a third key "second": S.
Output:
{"hour": 3, "minute": 7}
